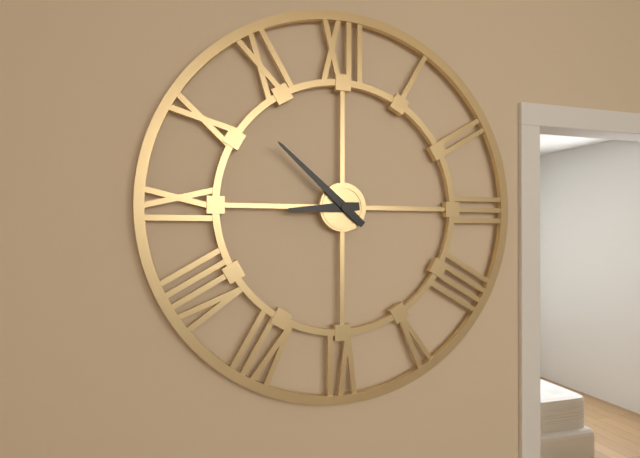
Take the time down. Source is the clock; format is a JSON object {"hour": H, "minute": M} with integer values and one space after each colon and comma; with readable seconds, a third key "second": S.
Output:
{"hour": 8, "minute": 52}
